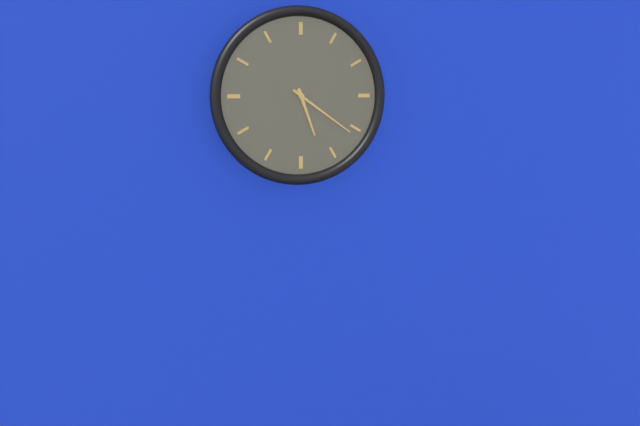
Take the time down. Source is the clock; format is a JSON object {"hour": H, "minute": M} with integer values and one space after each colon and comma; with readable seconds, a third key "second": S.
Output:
{"hour": 5, "minute": 21}
